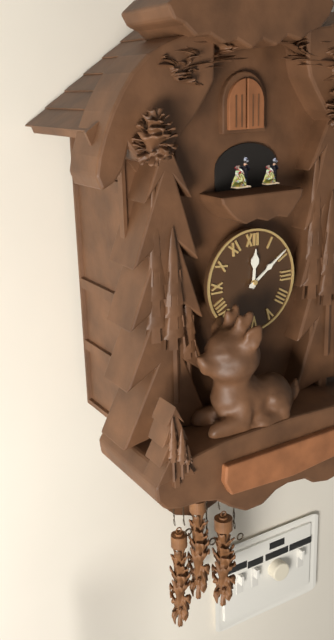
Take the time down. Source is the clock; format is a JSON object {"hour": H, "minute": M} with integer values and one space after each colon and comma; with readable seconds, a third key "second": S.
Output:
{"hour": 12, "minute": 9}
